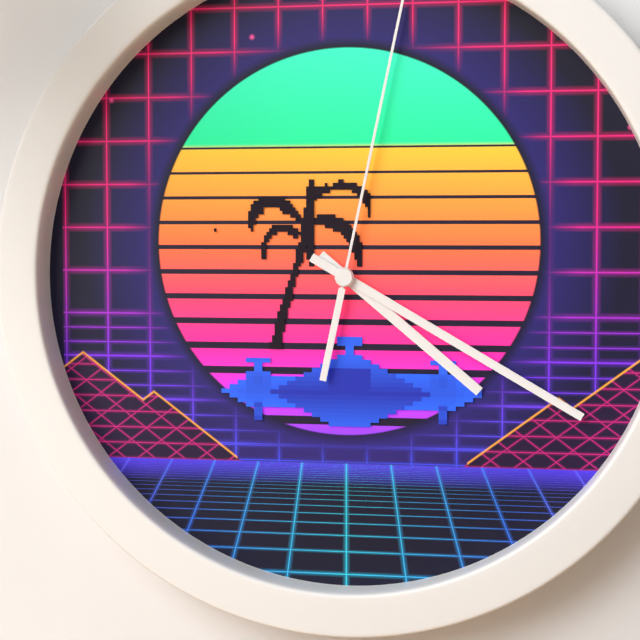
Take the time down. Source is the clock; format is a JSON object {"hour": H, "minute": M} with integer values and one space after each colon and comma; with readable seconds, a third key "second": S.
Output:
{"hour": 4, "minute": 20}
